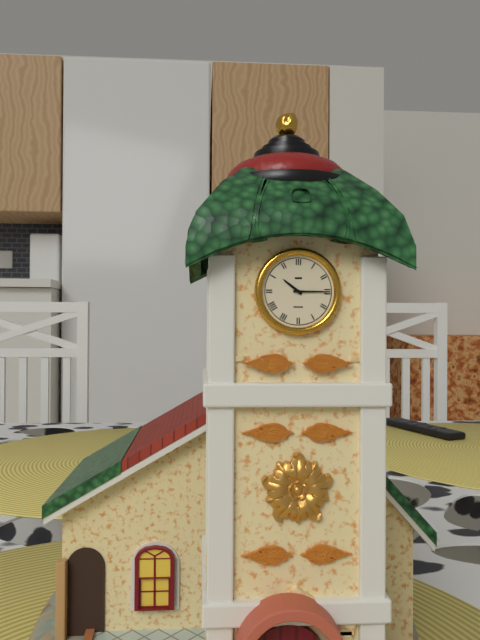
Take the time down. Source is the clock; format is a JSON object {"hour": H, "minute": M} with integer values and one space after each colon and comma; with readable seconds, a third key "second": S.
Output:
{"hour": 10, "minute": 15}
